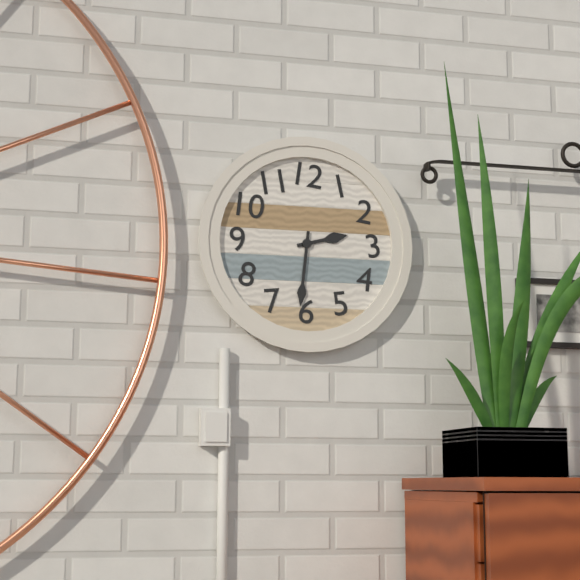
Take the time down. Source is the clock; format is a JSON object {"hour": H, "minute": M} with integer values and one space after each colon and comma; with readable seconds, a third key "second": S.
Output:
{"hour": 2, "minute": 31}
